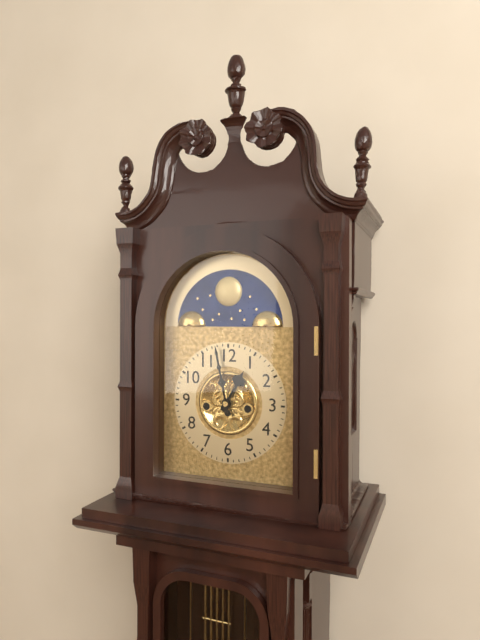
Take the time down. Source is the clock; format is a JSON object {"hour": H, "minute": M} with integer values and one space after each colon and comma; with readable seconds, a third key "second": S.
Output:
{"hour": 12, "minute": 58}
